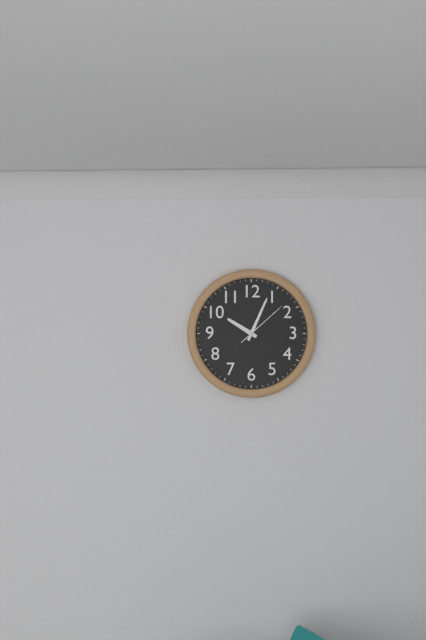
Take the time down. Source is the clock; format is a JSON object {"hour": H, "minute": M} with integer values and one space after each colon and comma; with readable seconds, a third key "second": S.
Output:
{"hour": 10, "minute": 4, "second": 8}
